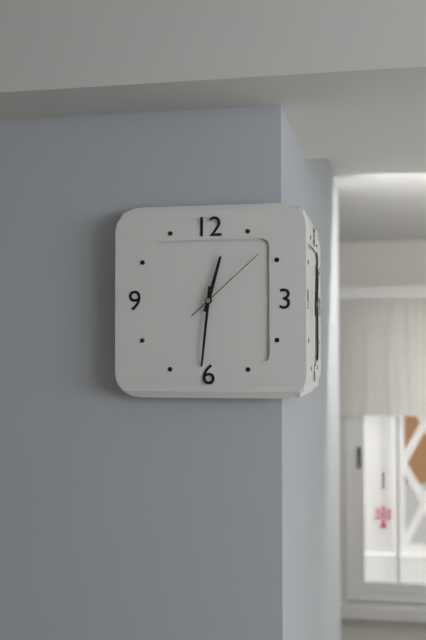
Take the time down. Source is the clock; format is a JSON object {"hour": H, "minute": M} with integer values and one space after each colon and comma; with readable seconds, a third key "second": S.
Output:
{"hour": 12, "minute": 31, "second": 8}
